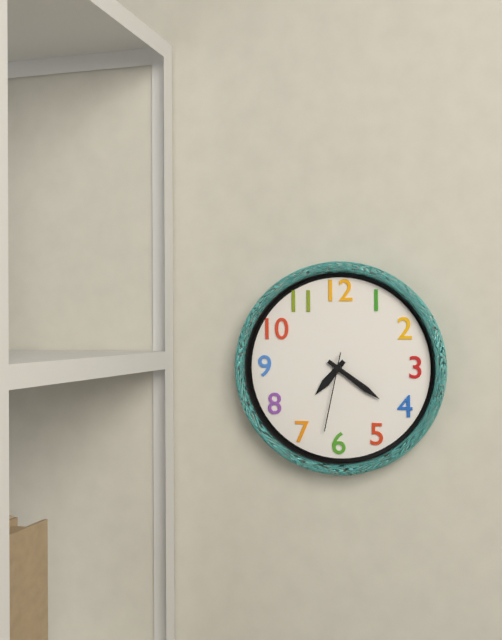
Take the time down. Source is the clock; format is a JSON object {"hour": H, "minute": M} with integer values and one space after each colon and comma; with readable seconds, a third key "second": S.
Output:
{"hour": 7, "minute": 21, "second": 32}
